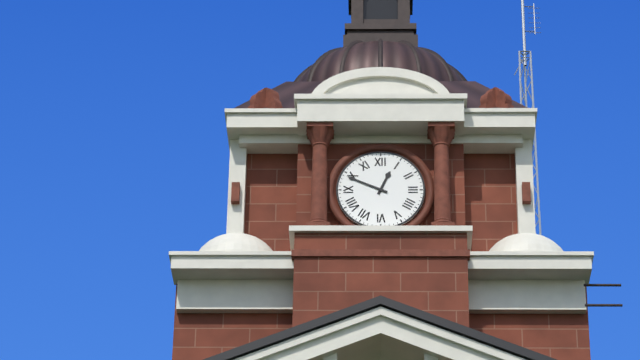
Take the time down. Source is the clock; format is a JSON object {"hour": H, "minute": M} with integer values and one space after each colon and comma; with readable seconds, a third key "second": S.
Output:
{"hour": 12, "minute": 49}
